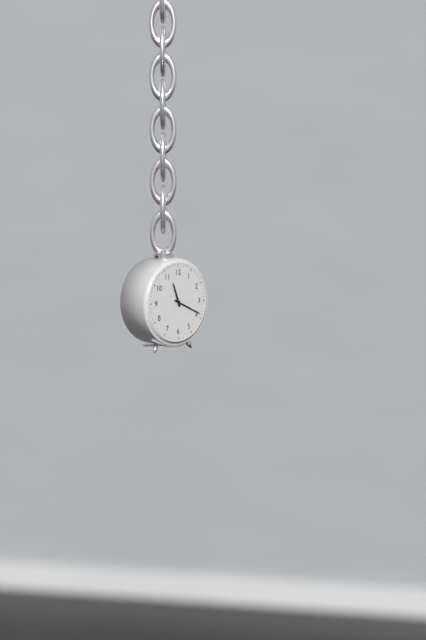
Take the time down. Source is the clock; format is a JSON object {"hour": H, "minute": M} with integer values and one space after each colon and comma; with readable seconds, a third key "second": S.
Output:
{"hour": 11, "minute": 19}
